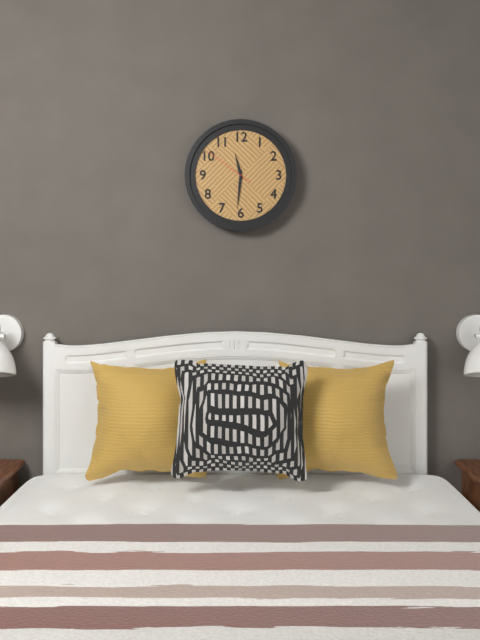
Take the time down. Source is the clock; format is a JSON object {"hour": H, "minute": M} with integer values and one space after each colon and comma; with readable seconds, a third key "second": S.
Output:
{"hour": 11, "minute": 31, "second": 51}
